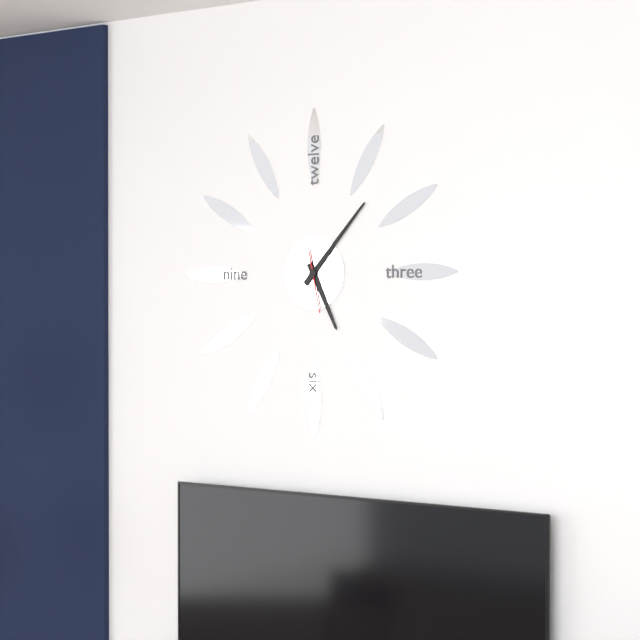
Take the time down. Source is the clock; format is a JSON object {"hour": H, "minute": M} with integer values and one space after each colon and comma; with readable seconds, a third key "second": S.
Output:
{"hour": 5, "minute": 7, "second": 28}
